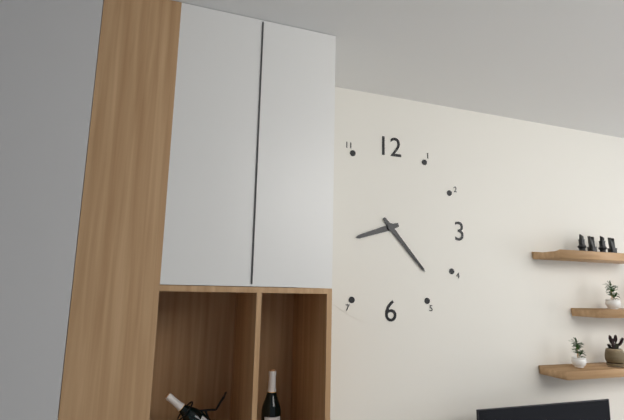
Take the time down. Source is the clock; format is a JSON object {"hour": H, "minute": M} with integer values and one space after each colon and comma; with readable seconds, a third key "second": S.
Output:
{"hour": 8, "minute": 23}
